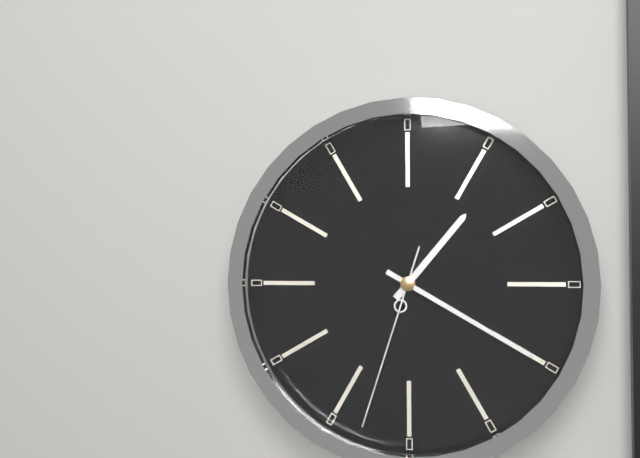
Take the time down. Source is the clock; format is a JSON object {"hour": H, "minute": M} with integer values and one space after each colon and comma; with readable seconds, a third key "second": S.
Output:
{"hour": 1, "minute": 20, "second": 33}
